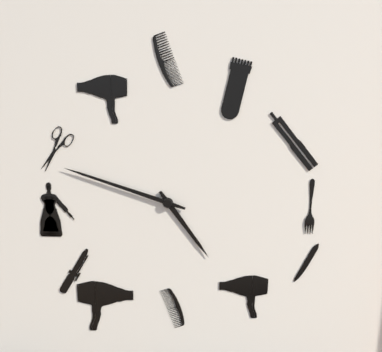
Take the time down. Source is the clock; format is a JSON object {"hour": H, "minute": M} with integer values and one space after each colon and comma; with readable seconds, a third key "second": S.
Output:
{"hour": 4, "minute": 48}
